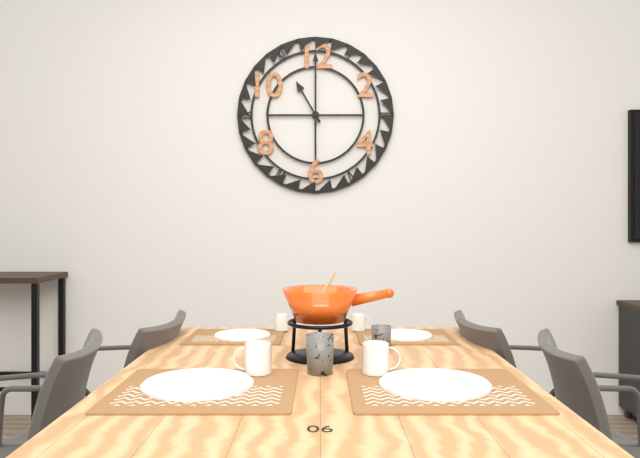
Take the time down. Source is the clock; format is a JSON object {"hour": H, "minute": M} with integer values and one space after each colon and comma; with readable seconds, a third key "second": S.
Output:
{"hour": 11, "minute": 0}
